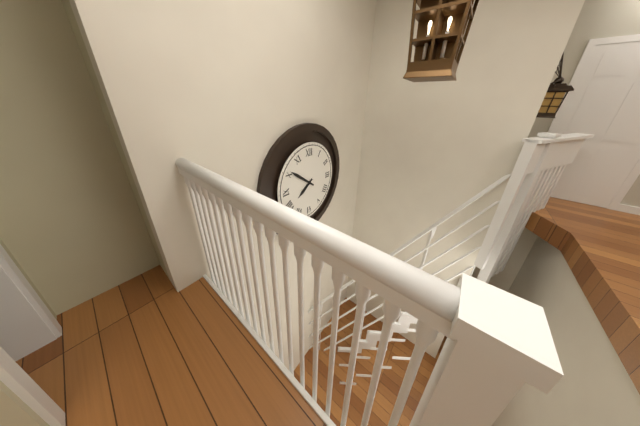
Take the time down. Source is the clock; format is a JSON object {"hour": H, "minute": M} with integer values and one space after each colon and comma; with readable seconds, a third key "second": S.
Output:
{"hour": 7, "minute": 51}
